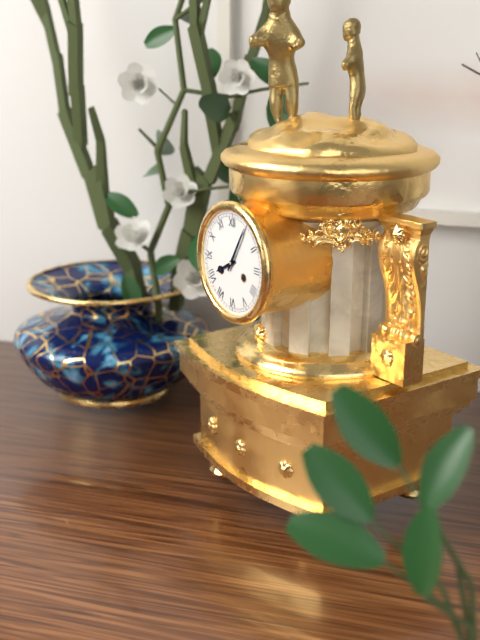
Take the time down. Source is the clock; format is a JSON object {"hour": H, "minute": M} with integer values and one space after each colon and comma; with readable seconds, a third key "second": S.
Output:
{"hour": 8, "minute": 5}
